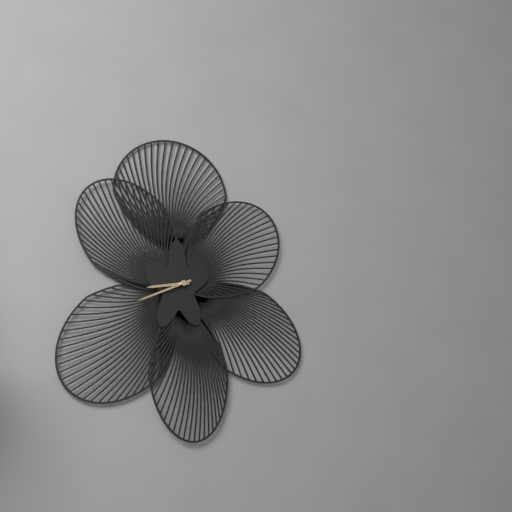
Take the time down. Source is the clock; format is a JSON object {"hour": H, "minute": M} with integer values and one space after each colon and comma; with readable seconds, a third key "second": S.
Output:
{"hour": 8, "minute": 41}
